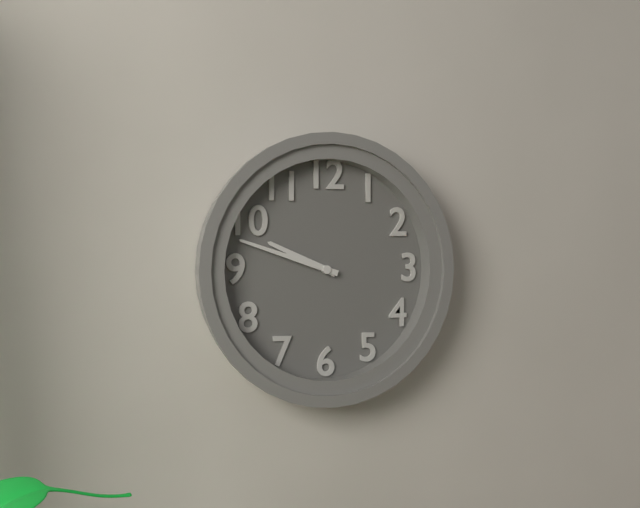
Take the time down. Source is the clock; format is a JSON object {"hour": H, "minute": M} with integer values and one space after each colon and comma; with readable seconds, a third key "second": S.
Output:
{"hour": 9, "minute": 48}
